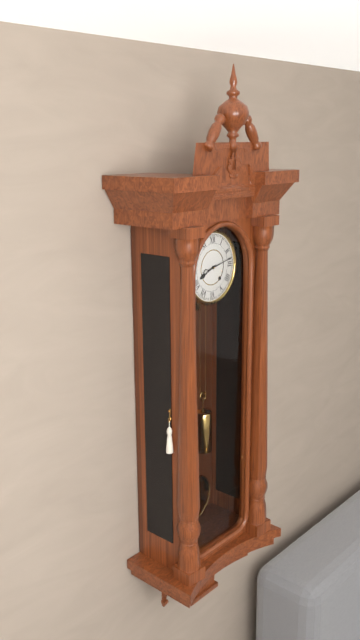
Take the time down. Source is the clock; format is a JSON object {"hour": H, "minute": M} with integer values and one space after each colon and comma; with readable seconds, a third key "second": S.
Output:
{"hour": 8, "minute": 13}
